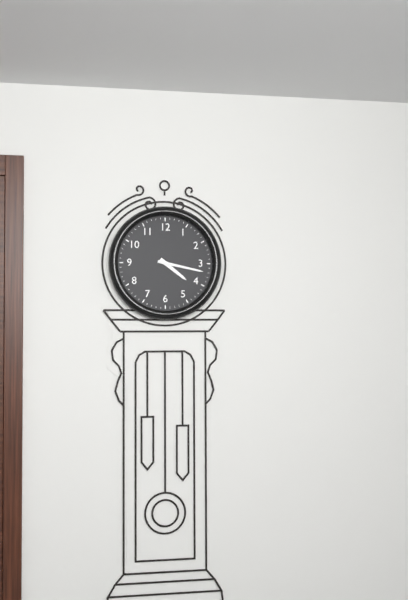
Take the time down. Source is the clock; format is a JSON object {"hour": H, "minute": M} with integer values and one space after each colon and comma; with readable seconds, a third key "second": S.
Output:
{"hour": 4, "minute": 17}
